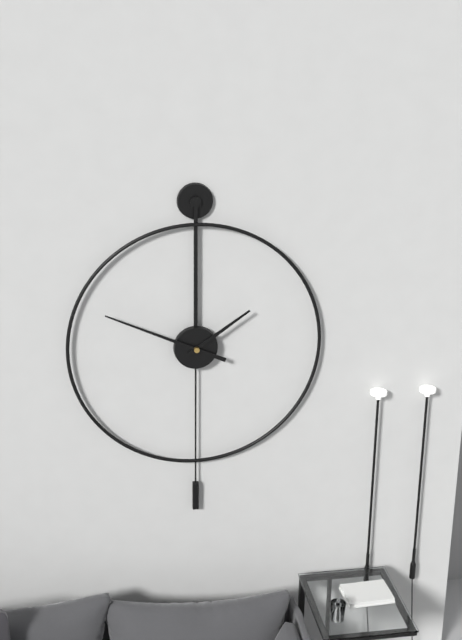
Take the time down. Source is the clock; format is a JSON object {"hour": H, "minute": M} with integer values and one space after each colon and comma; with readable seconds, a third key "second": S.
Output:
{"hour": 1, "minute": 49}
